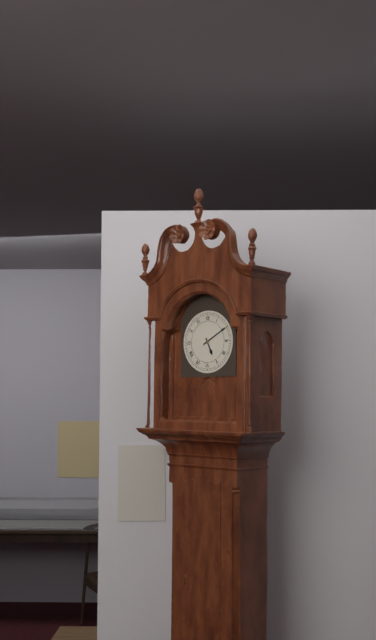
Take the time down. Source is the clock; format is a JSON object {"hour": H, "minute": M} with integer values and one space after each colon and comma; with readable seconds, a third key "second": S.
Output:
{"hour": 5, "minute": 10}
